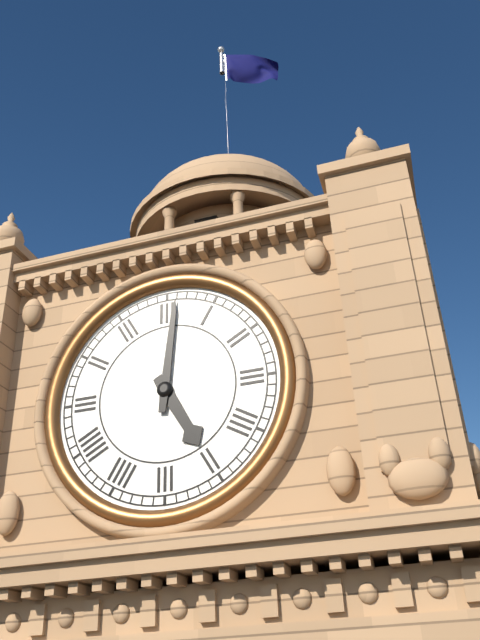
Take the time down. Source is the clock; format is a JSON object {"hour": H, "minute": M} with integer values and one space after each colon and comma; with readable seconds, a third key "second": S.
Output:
{"hour": 5, "minute": 1}
